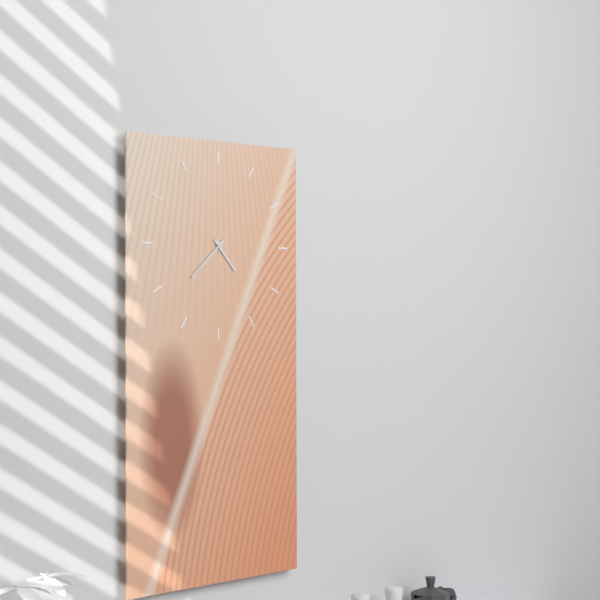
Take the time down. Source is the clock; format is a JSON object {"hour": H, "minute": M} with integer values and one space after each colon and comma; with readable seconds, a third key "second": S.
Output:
{"hour": 4, "minute": 38}
